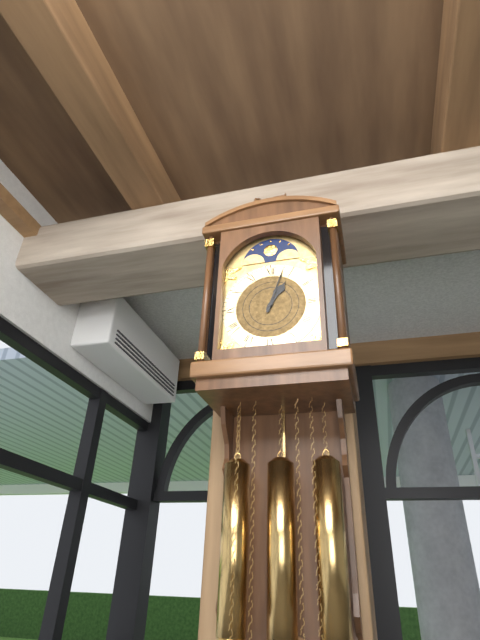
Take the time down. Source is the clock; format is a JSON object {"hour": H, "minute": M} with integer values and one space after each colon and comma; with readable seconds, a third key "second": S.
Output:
{"hour": 1, "minute": 3}
